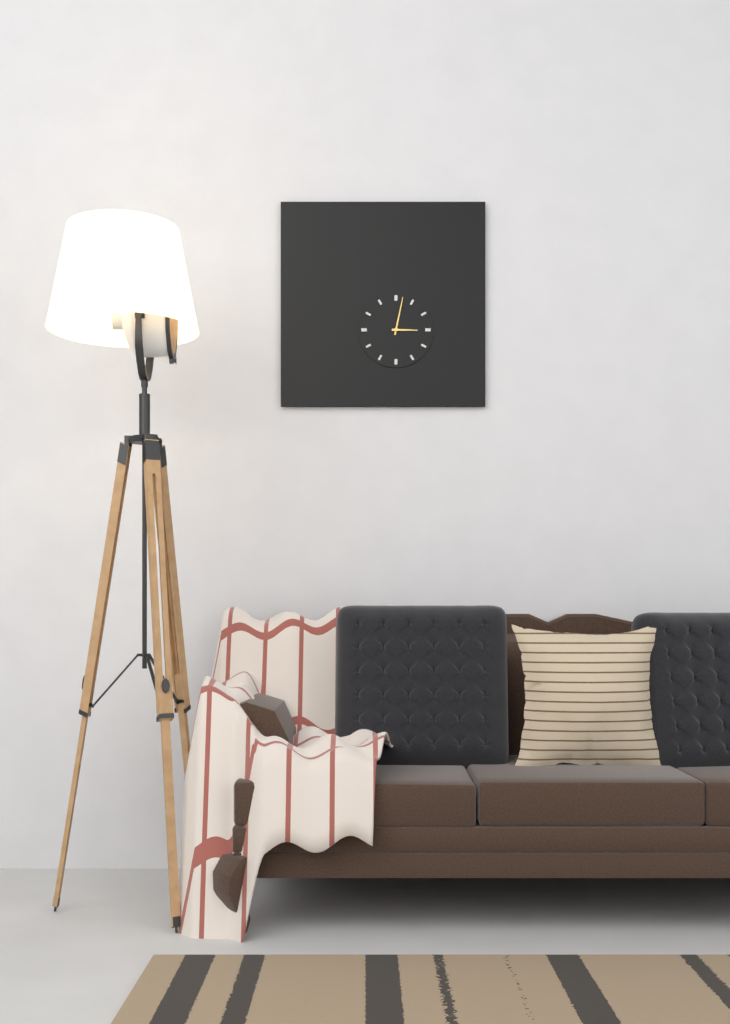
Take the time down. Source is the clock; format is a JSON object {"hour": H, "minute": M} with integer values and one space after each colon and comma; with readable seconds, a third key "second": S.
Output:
{"hour": 3, "minute": 2}
